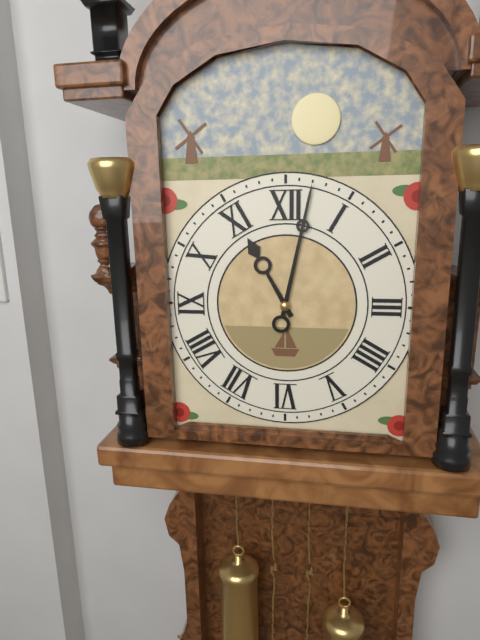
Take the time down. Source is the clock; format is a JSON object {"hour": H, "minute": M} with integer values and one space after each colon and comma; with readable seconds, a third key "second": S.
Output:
{"hour": 11, "minute": 2}
